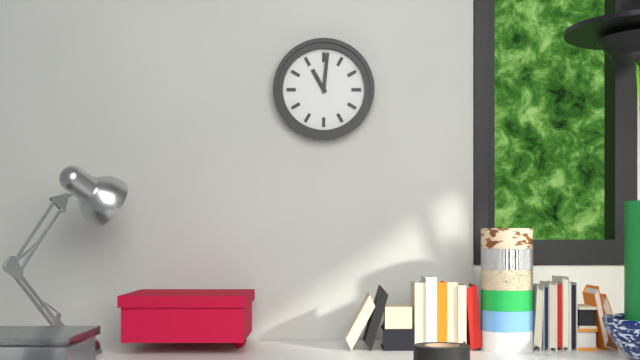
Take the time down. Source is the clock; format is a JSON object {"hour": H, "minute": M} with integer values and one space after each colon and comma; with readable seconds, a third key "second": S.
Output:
{"hour": 11, "minute": 1}
